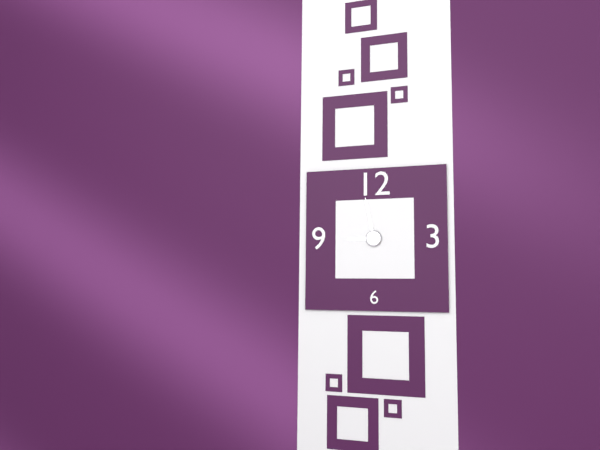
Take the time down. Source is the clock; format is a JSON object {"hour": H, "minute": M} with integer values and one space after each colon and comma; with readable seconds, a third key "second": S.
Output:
{"hour": 8, "minute": 58}
